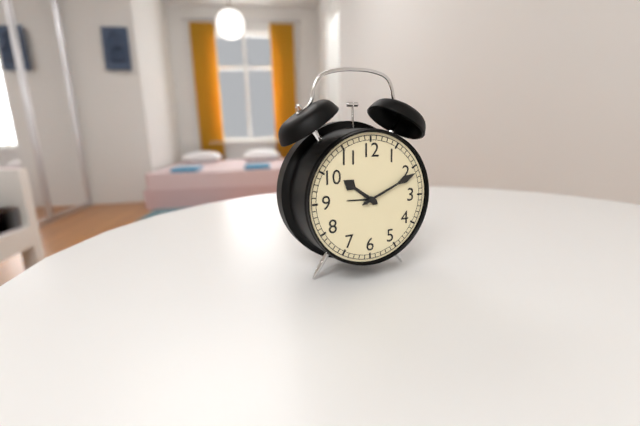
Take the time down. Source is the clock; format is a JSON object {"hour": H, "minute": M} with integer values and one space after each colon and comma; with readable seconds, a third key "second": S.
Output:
{"hour": 10, "minute": 11}
